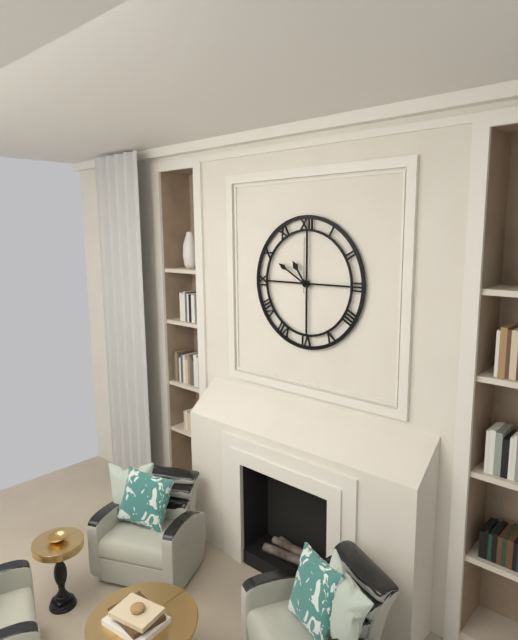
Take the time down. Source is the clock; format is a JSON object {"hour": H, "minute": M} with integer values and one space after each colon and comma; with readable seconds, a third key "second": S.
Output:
{"hour": 10, "minute": 50, "second": 0}
